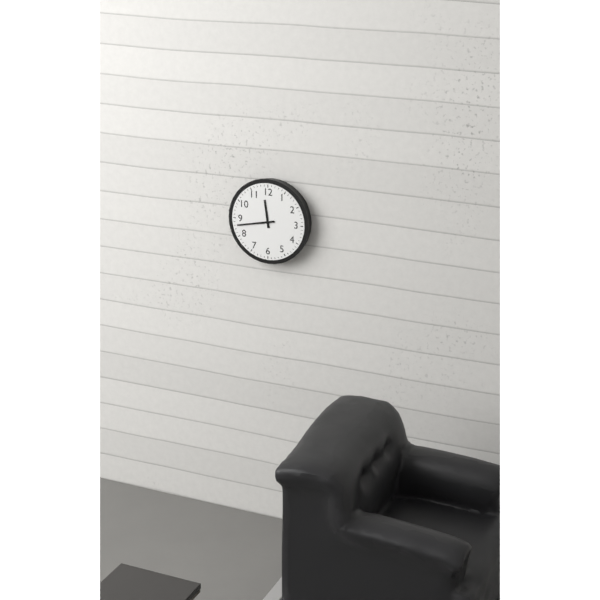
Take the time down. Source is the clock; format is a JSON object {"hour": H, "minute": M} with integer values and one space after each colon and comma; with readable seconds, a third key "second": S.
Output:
{"hour": 11, "minute": 43}
